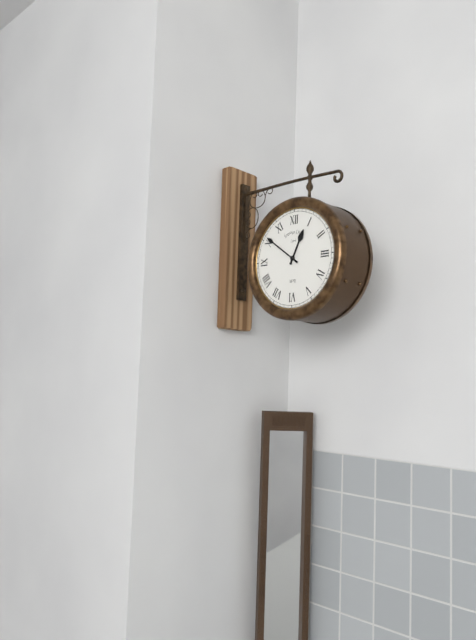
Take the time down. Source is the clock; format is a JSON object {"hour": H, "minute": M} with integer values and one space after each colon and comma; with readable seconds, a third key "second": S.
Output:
{"hour": 12, "minute": 51}
